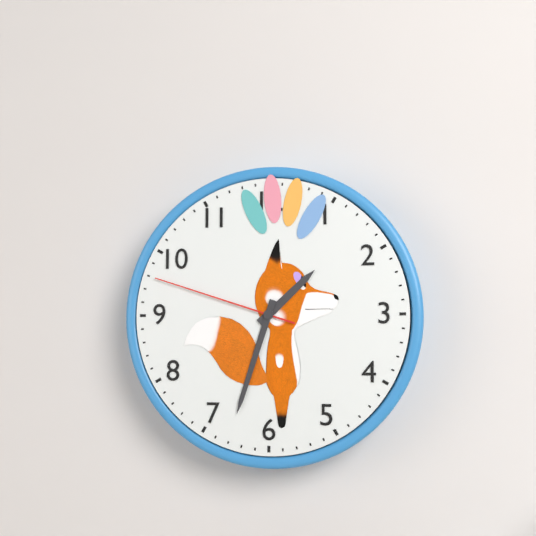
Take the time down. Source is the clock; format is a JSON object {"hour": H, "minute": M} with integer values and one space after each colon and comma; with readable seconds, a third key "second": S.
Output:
{"hour": 1, "minute": 33, "second": 48}
